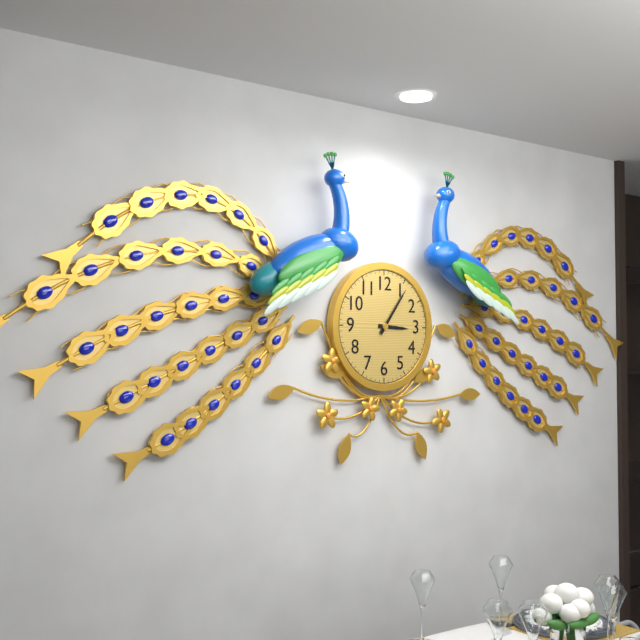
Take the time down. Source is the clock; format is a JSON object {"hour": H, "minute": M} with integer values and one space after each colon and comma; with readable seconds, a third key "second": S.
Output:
{"hour": 3, "minute": 6}
